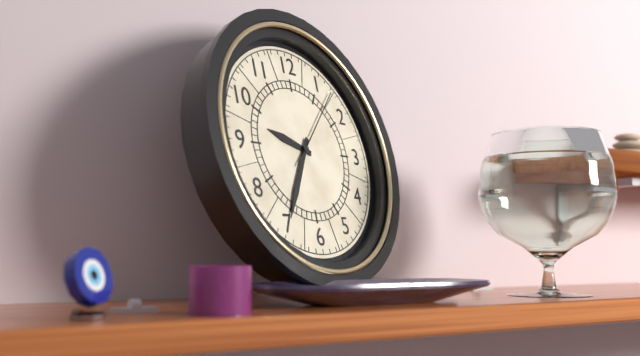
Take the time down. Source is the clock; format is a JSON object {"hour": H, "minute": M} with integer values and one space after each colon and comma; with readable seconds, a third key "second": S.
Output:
{"hour": 9, "minute": 35, "second": 7}
